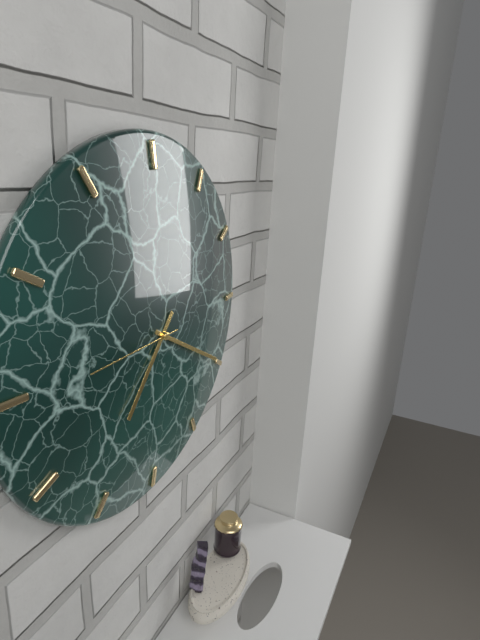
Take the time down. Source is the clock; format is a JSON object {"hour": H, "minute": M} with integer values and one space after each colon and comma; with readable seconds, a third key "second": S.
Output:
{"hour": 7, "minute": 20, "second": 45}
